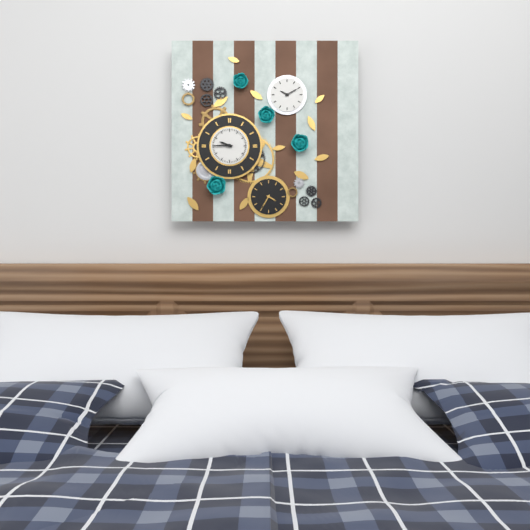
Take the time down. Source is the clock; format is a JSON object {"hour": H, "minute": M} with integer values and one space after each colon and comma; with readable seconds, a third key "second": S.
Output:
{"hour": 9, "minute": 45}
